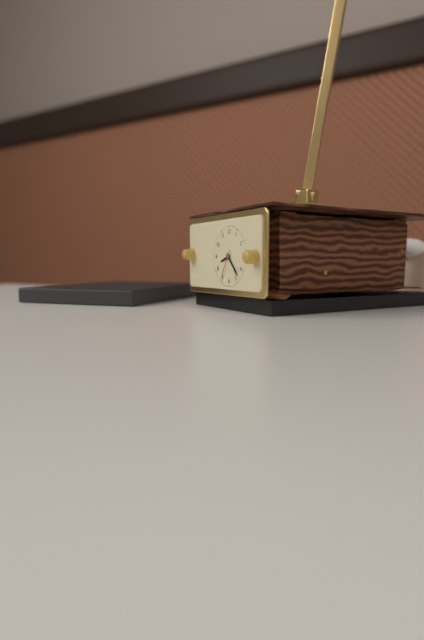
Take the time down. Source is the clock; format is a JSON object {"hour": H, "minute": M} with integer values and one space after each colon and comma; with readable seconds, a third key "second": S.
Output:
{"hour": 8, "minute": 23}
